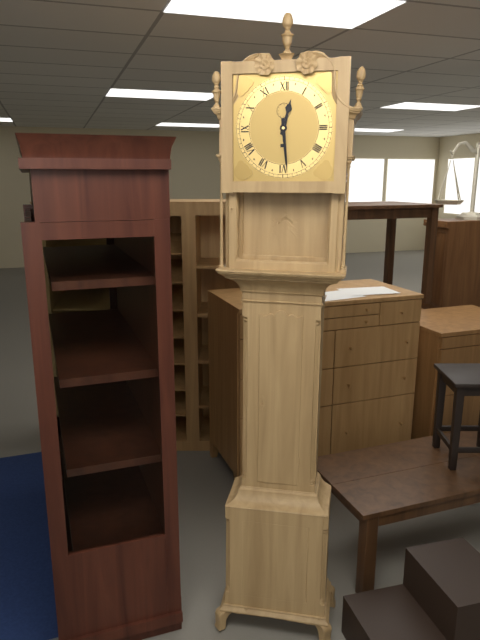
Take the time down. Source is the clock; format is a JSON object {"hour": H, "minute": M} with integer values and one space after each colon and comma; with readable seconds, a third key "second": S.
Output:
{"hour": 12, "minute": 29}
